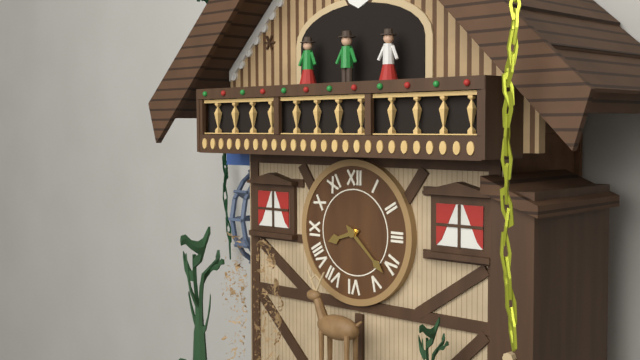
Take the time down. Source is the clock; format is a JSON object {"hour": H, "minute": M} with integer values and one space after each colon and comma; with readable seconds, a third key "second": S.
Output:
{"hour": 8, "minute": 22}
